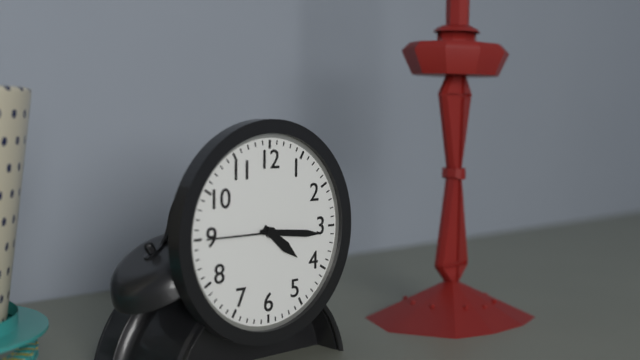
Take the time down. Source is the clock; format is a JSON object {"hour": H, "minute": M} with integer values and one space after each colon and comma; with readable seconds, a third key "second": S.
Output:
{"hour": 4, "minute": 16}
